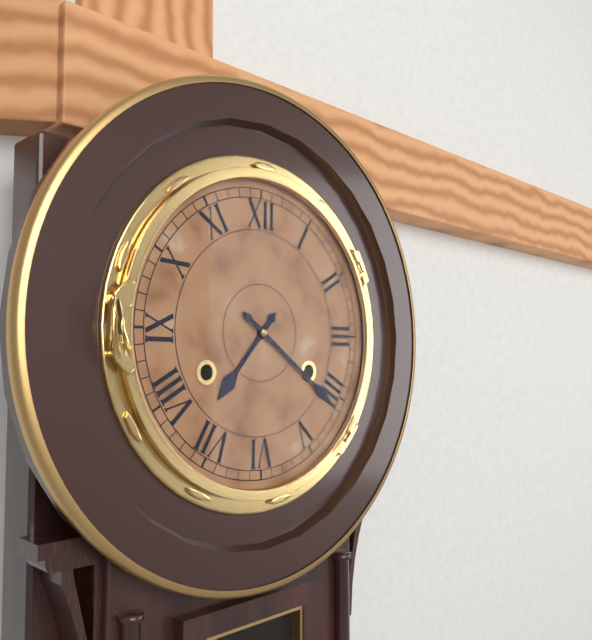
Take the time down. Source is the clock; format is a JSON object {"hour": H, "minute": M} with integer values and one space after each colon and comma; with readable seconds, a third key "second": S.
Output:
{"hour": 7, "minute": 21}
